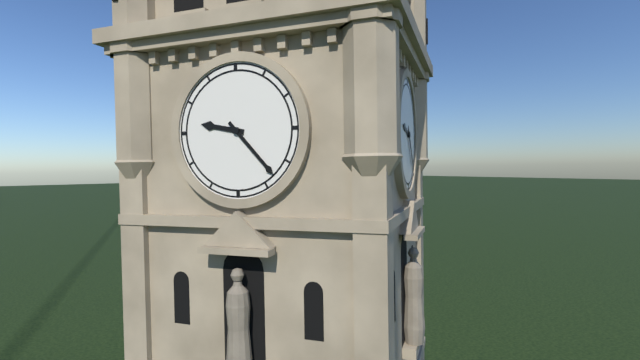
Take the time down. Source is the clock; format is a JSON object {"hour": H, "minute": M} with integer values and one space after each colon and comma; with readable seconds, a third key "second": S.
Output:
{"hour": 9, "minute": 23}
